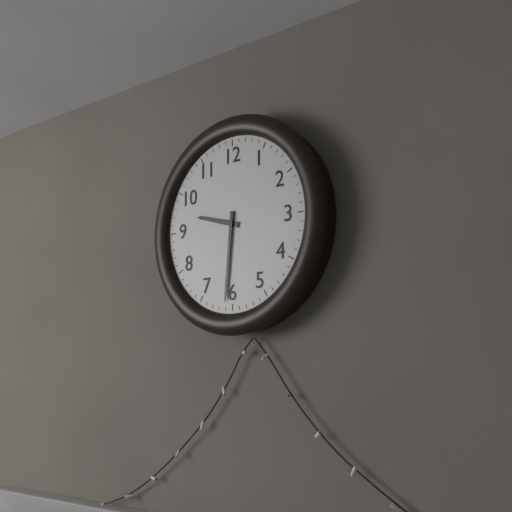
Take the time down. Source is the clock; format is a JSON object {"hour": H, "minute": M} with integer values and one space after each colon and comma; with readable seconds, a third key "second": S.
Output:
{"hour": 9, "minute": 31}
